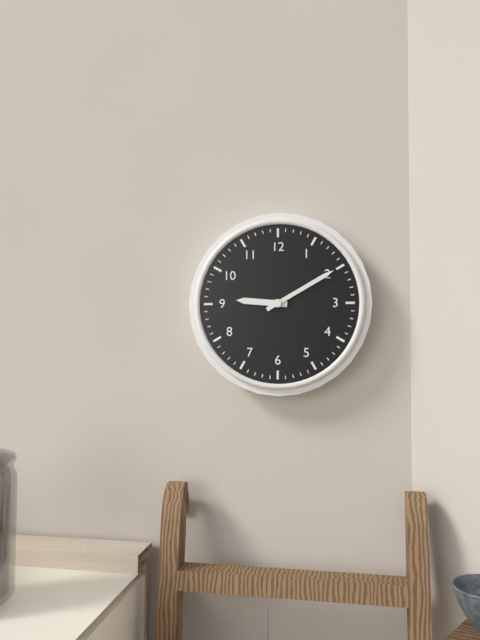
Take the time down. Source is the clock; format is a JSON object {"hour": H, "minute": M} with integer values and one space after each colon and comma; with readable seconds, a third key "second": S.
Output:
{"hour": 9, "minute": 10}
